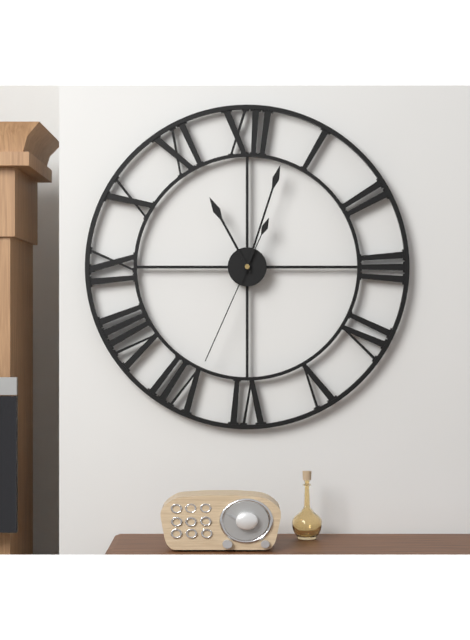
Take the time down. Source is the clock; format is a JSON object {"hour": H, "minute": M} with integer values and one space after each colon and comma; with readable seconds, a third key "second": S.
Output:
{"hour": 11, "minute": 3, "second": 34}
